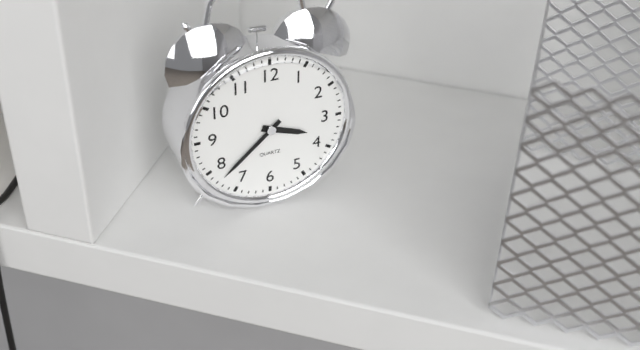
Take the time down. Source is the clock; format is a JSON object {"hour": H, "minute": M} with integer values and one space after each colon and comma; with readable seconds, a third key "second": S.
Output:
{"hour": 3, "minute": 38}
